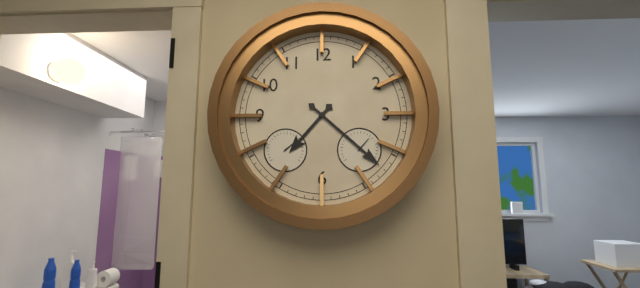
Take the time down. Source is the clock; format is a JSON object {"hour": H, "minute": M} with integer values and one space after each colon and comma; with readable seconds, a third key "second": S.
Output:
{"hour": 7, "minute": 22}
